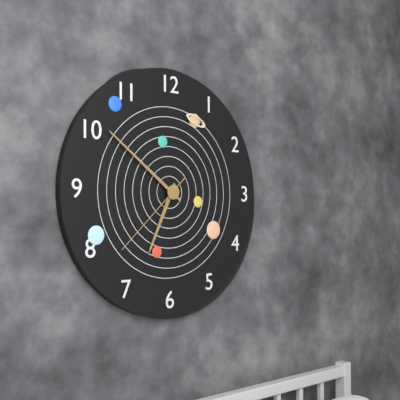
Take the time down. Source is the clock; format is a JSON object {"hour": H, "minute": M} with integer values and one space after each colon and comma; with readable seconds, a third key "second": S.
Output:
{"hour": 6, "minute": 51, "second": 38}
